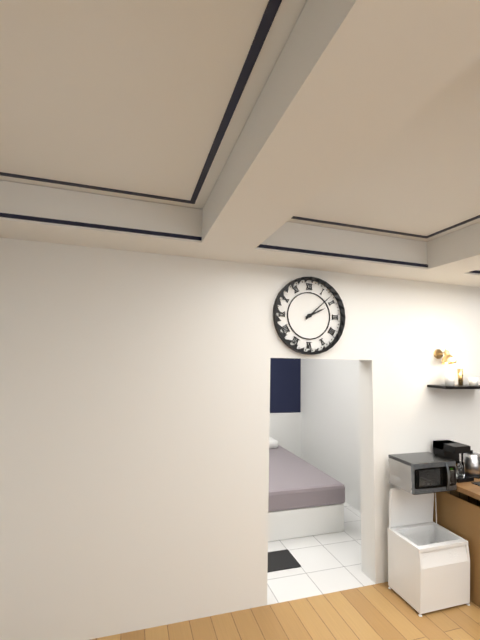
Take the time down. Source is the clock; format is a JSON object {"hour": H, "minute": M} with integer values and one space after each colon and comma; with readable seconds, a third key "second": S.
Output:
{"hour": 2, "minute": 8}
